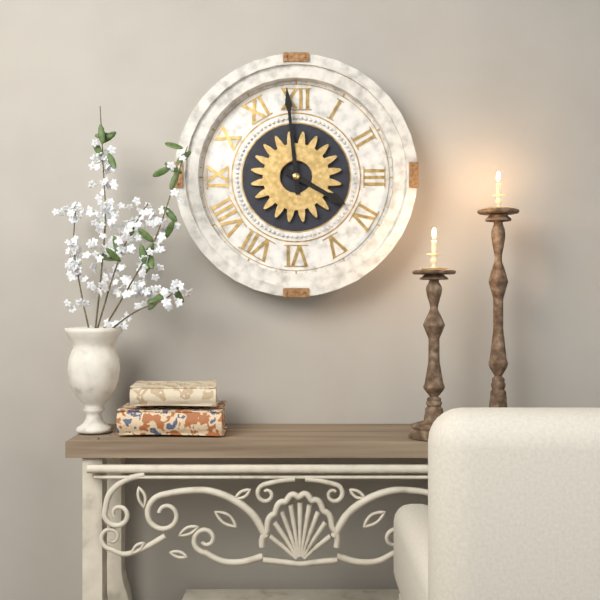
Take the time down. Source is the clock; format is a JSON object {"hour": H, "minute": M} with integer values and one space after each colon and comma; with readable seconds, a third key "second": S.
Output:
{"hour": 3, "minute": 59}
